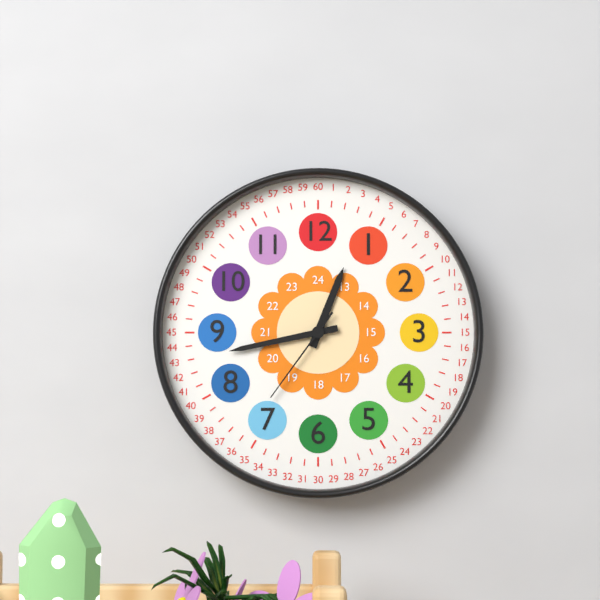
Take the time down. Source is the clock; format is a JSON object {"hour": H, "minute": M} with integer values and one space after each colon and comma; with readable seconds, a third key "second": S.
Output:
{"hour": 12, "minute": 43, "second": 36}
